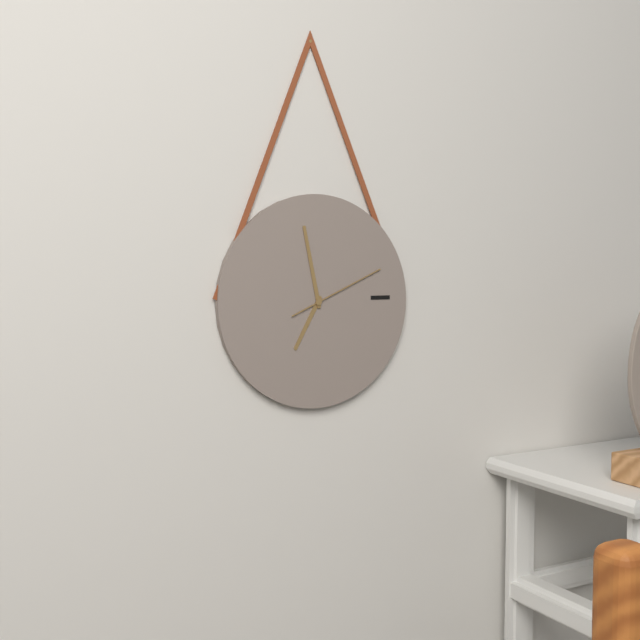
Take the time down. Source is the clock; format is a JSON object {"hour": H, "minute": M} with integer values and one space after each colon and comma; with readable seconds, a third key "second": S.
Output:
{"hour": 6, "minute": 58, "second": 11}
